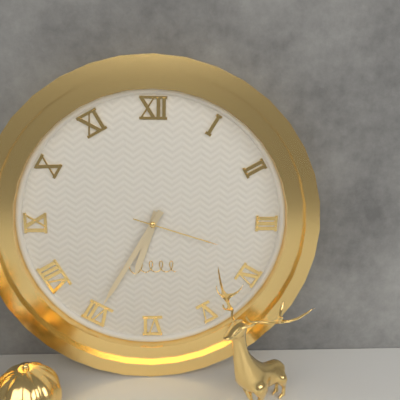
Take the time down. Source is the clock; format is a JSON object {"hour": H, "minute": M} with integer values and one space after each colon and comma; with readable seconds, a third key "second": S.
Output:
{"hour": 6, "minute": 35, "second": 18}
